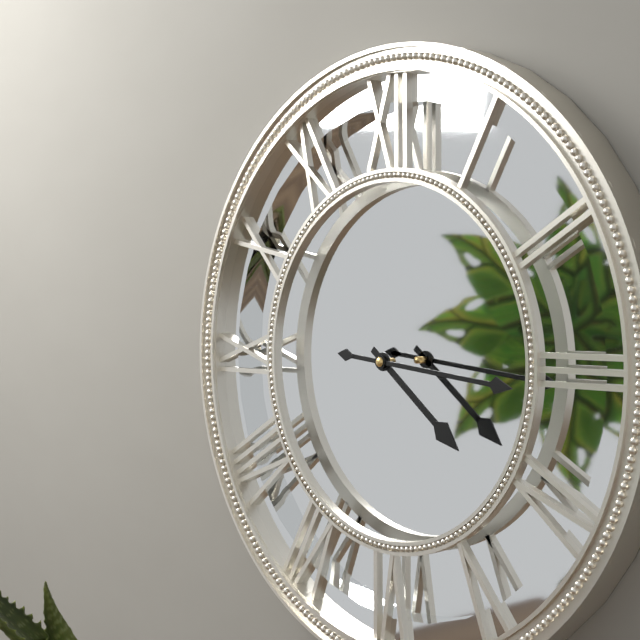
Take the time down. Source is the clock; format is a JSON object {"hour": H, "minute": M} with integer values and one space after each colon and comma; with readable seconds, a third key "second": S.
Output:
{"hour": 4, "minute": 16}
